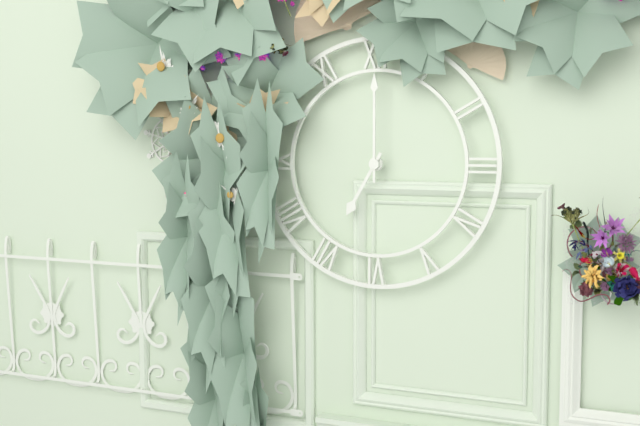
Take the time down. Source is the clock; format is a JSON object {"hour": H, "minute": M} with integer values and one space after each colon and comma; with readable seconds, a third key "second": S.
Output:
{"hour": 7, "minute": 0}
